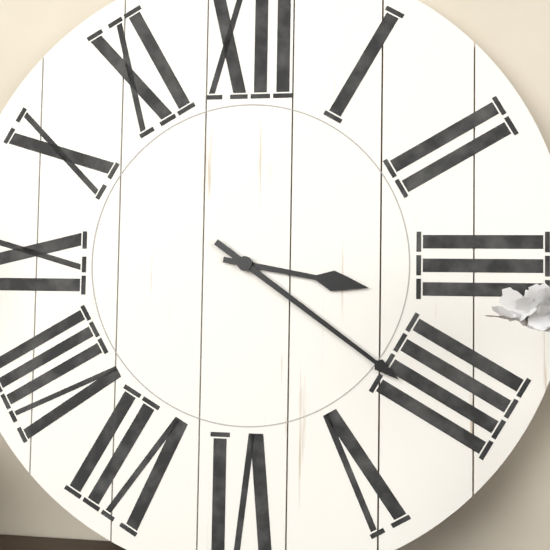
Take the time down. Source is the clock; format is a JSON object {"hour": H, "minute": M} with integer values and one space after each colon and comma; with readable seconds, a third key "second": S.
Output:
{"hour": 3, "minute": 21}
